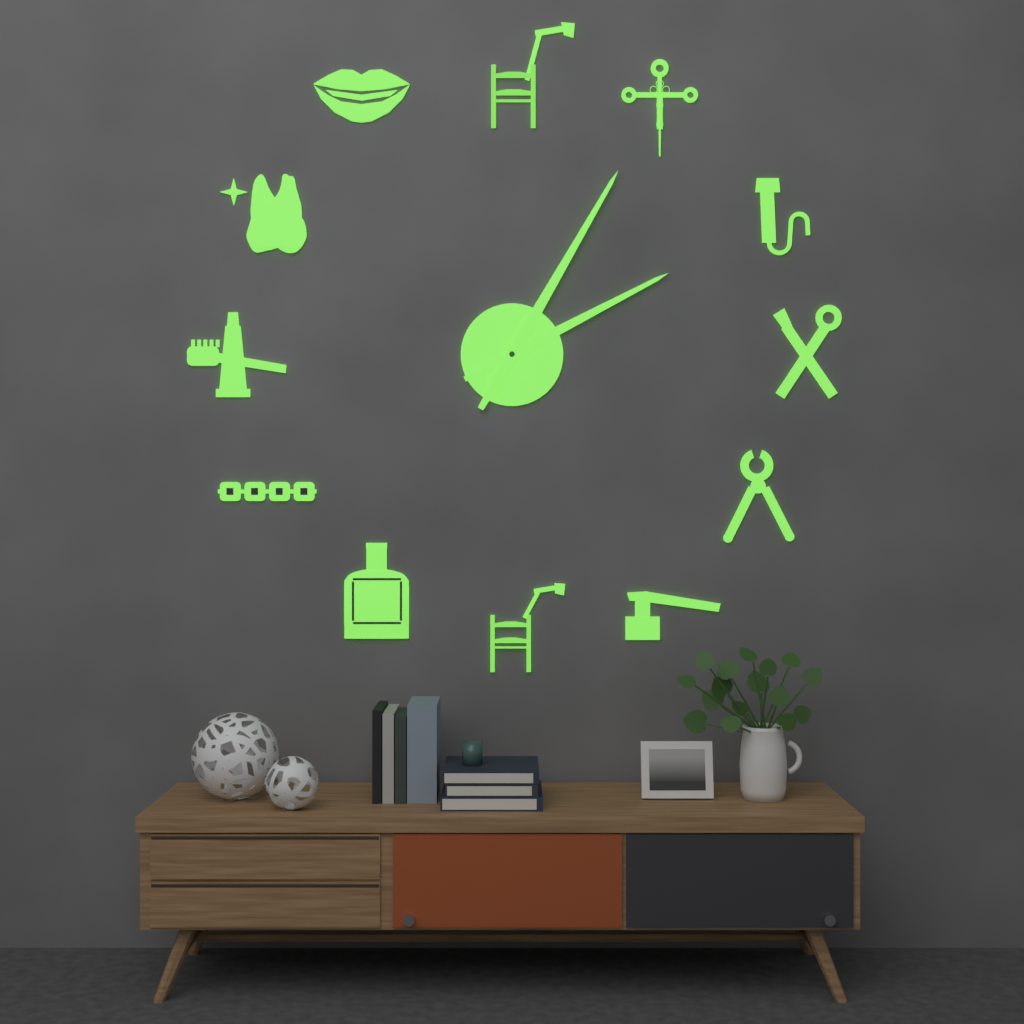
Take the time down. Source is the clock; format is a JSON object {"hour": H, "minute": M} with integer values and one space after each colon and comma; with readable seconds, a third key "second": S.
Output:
{"hour": 2, "minute": 5}
